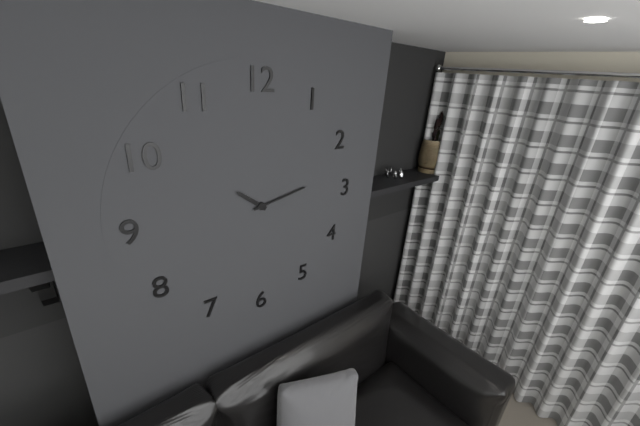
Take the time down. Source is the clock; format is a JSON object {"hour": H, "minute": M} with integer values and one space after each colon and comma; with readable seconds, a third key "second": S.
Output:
{"hour": 10, "minute": 13}
